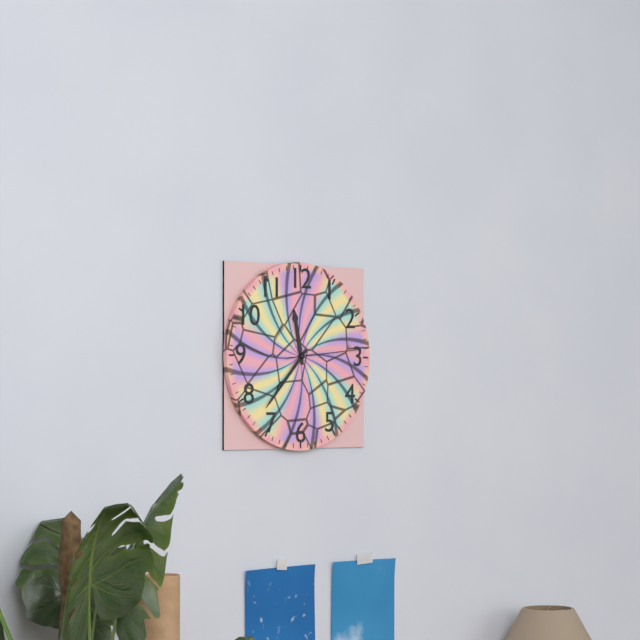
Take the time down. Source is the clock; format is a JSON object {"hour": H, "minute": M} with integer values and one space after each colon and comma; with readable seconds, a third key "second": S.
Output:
{"hour": 11, "minute": 37, "second": 14}
